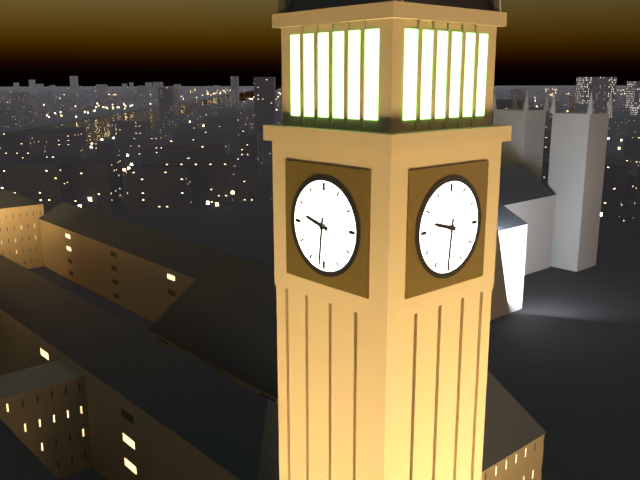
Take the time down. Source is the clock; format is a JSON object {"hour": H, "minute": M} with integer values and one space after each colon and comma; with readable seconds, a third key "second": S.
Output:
{"hour": 9, "minute": 31}
